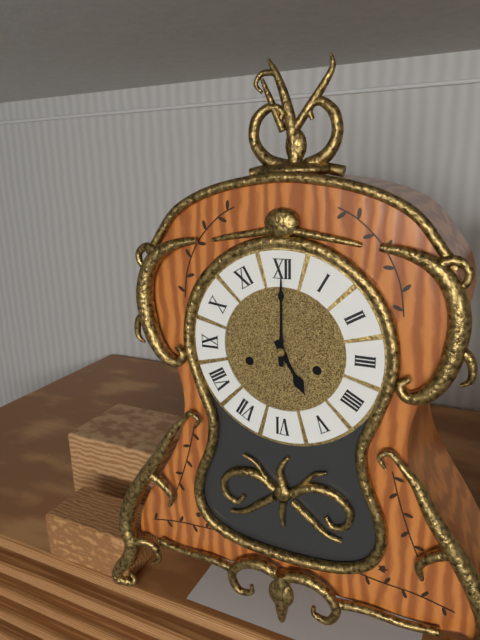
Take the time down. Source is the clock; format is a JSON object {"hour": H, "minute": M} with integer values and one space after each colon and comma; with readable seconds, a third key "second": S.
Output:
{"hour": 5, "minute": 0}
